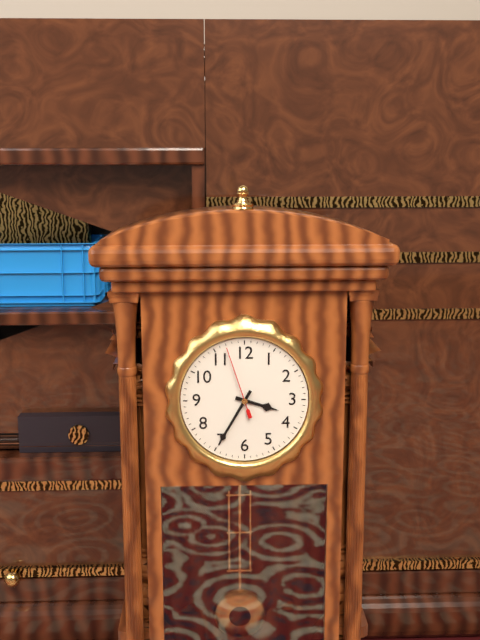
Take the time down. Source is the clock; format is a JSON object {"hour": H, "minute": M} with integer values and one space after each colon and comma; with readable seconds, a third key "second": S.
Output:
{"hour": 3, "minute": 35, "second": 57}
